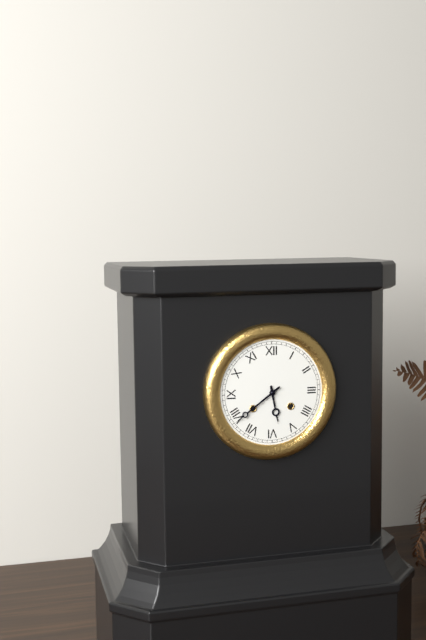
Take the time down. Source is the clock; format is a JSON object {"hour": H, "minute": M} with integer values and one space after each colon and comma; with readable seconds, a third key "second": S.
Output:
{"hour": 5, "minute": 39}
